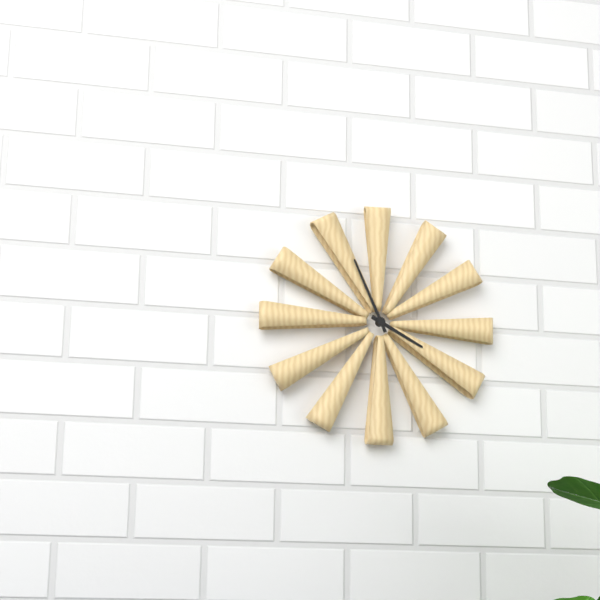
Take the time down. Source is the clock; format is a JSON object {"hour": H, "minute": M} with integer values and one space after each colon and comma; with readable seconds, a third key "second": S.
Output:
{"hour": 3, "minute": 56}
